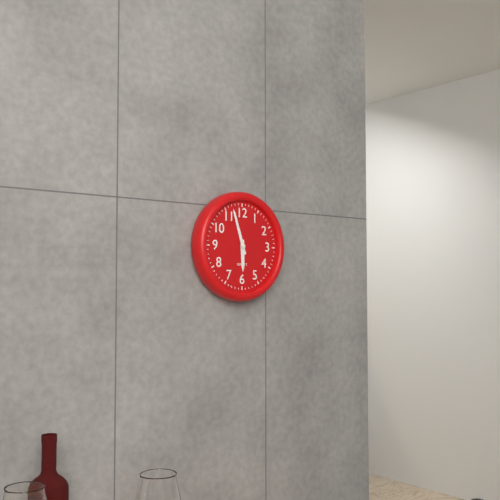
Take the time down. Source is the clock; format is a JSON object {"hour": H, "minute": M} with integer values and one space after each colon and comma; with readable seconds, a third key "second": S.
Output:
{"hour": 5, "minute": 57}
